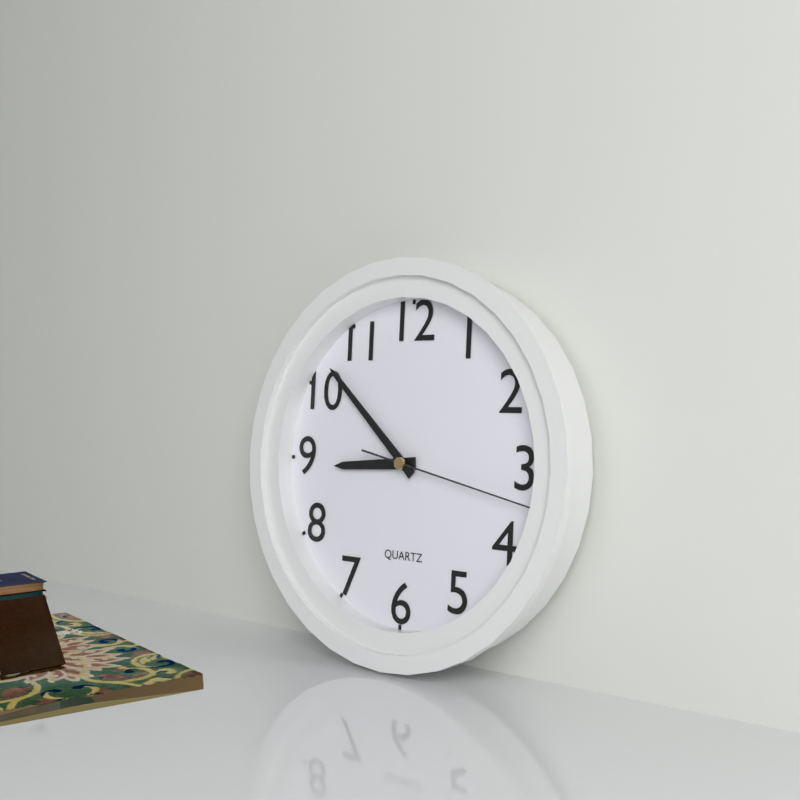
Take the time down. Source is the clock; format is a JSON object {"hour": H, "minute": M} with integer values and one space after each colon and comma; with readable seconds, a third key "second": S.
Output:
{"hour": 8, "minute": 52, "second": 17}
